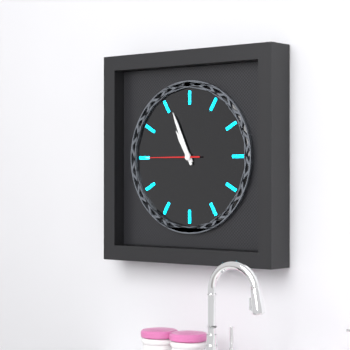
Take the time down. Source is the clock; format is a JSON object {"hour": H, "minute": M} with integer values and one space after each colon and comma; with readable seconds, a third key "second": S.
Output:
{"hour": 10, "minute": 56, "second": 45}
